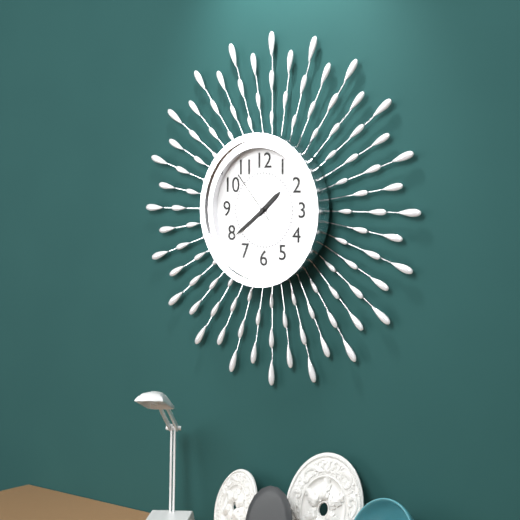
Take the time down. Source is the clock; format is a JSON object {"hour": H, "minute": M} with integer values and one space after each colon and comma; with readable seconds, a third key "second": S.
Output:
{"hour": 1, "minute": 39, "second": 53}
